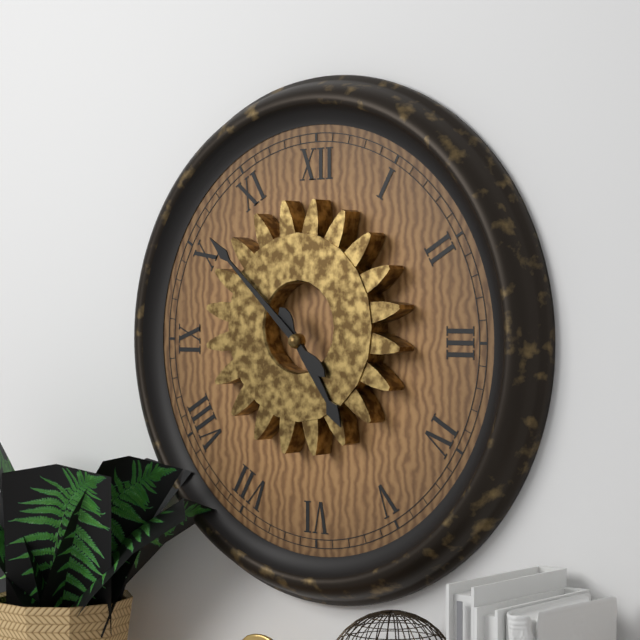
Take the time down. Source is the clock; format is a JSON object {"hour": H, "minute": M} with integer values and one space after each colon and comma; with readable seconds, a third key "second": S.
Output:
{"hour": 4, "minute": 52}
